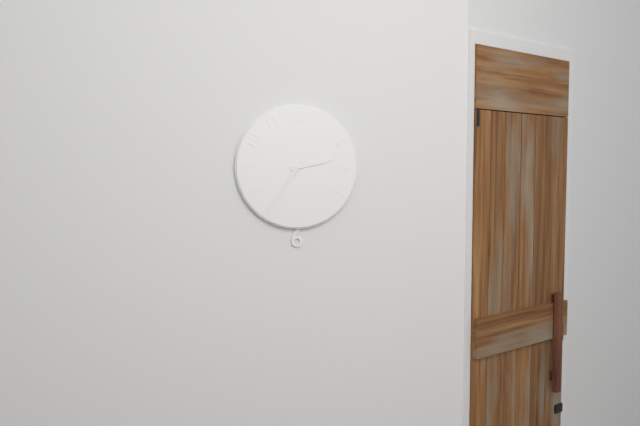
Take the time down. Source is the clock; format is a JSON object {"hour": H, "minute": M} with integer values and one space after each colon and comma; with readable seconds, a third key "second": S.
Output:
{"hour": 2, "minute": 36}
